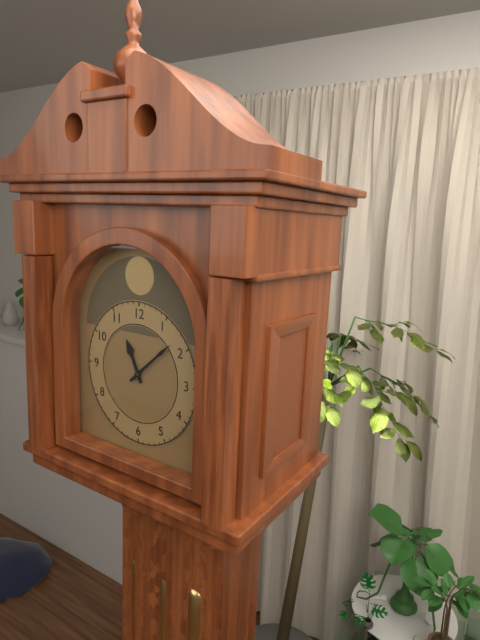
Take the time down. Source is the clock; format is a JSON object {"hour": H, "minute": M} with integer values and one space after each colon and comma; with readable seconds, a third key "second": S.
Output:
{"hour": 11, "minute": 8}
